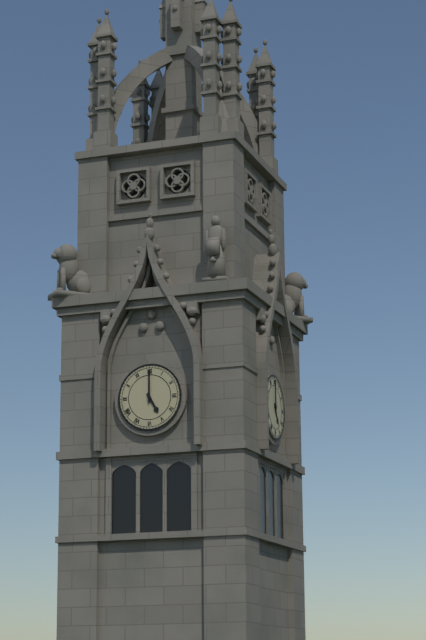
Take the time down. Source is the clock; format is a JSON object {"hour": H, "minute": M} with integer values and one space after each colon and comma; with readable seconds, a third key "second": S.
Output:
{"hour": 5, "minute": 0}
